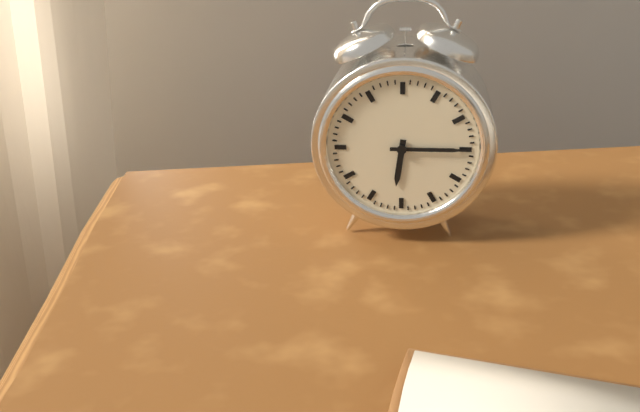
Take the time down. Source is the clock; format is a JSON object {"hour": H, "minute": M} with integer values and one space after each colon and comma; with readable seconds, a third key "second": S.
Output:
{"hour": 6, "minute": 15}
